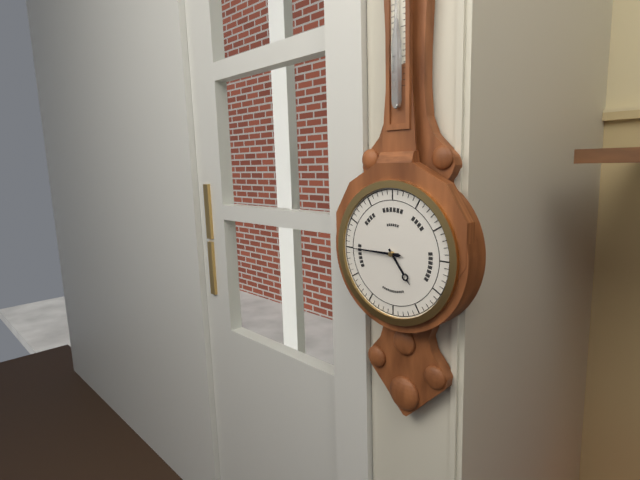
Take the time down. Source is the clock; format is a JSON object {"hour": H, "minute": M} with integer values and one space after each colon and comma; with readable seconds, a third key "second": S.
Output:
{"hour": 4, "minute": 45}
